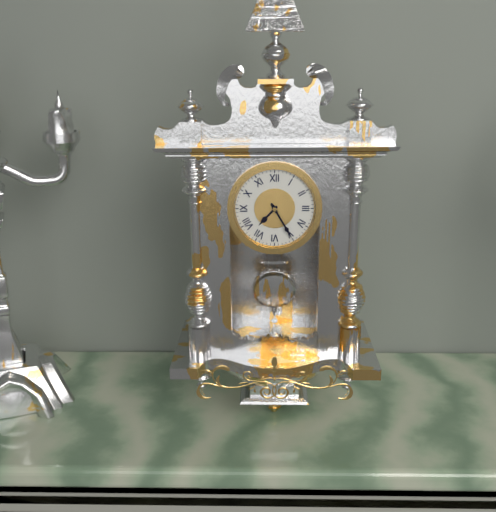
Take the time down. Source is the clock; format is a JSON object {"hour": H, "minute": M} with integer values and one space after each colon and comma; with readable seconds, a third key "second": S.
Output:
{"hour": 7, "minute": 25}
